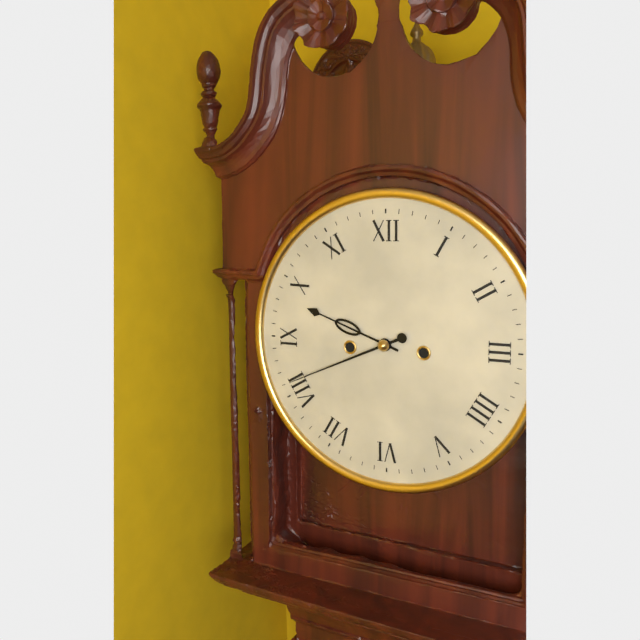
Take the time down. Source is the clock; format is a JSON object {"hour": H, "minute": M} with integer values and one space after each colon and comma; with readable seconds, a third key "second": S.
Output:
{"hour": 9, "minute": 41}
